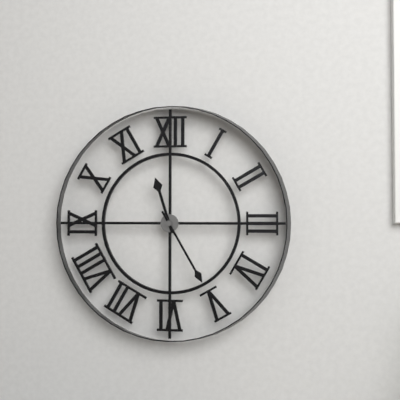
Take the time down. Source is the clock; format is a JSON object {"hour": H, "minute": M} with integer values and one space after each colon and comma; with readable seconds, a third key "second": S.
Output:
{"hour": 11, "minute": 25}
